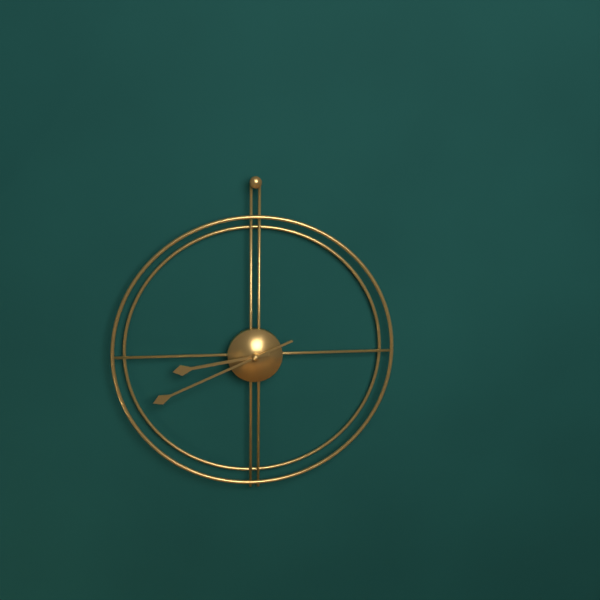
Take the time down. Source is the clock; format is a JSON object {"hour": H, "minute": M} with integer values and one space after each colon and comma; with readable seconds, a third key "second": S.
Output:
{"hour": 8, "minute": 41}
